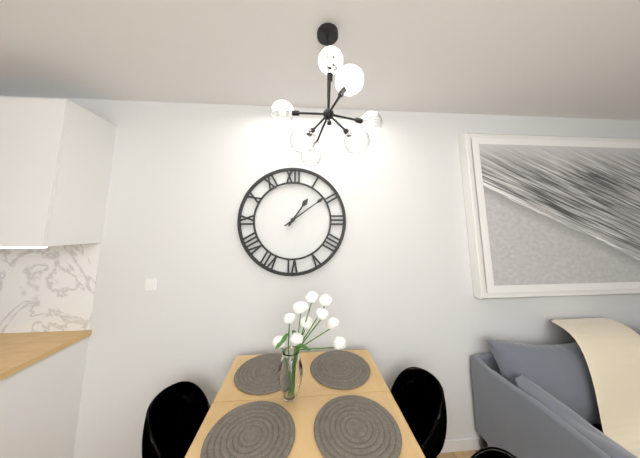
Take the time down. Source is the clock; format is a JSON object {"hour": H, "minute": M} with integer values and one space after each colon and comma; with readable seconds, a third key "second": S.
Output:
{"hour": 1, "minute": 9}
